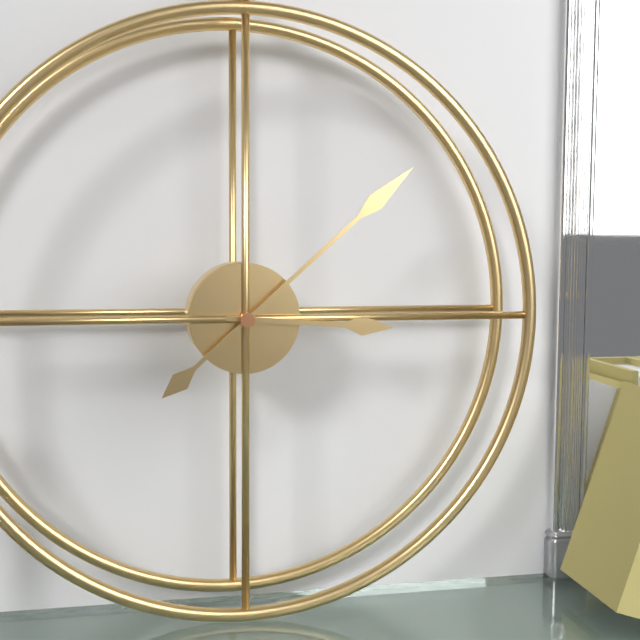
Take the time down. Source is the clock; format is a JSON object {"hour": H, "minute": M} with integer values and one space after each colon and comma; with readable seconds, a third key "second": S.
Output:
{"hour": 3, "minute": 8}
